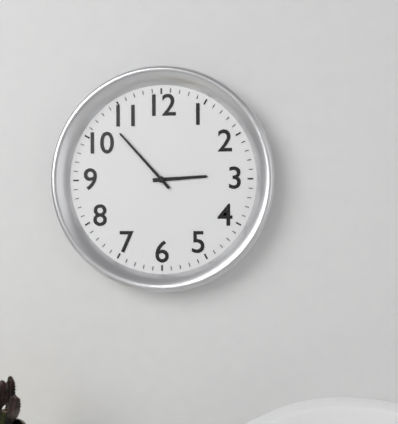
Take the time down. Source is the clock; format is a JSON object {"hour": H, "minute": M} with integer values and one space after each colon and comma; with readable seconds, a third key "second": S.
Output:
{"hour": 2, "minute": 53}
